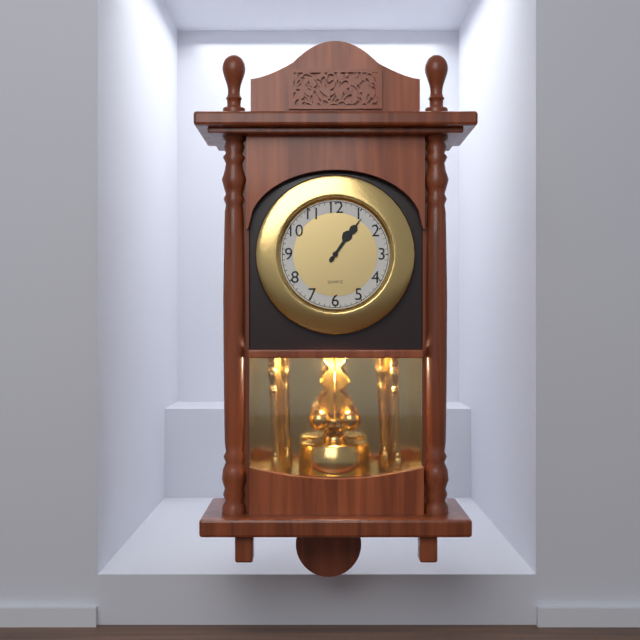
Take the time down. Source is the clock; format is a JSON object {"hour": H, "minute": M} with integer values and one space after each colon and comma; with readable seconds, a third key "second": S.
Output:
{"hour": 1, "minute": 6}
